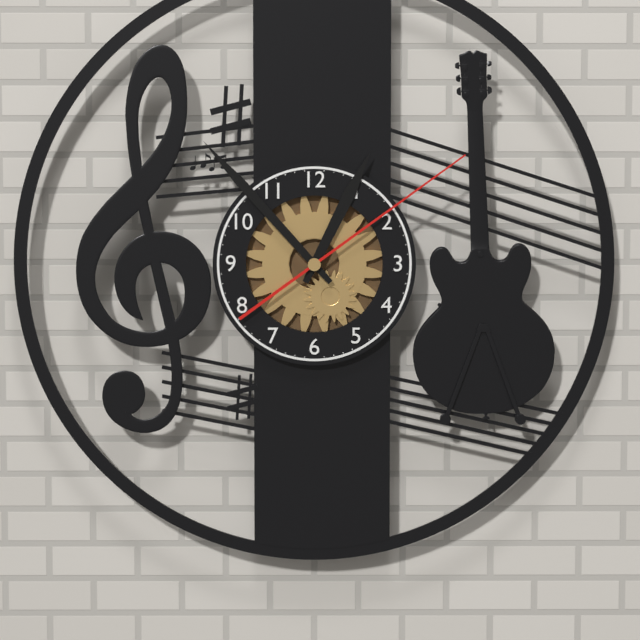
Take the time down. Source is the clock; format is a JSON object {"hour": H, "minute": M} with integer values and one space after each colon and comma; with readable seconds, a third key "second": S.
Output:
{"hour": 12, "minute": 53, "second": 9}
